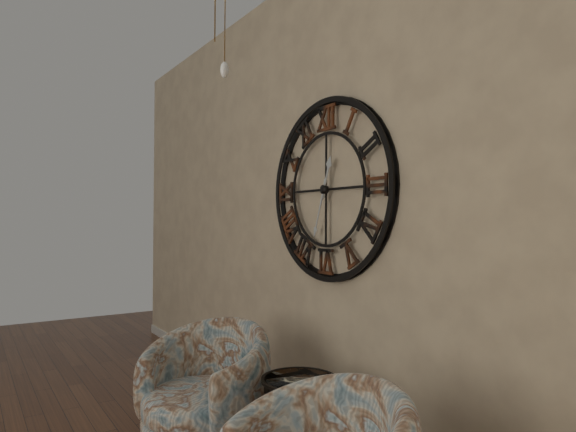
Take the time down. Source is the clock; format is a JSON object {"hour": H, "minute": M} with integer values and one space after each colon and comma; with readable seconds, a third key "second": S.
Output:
{"hour": 12, "minute": 33}
